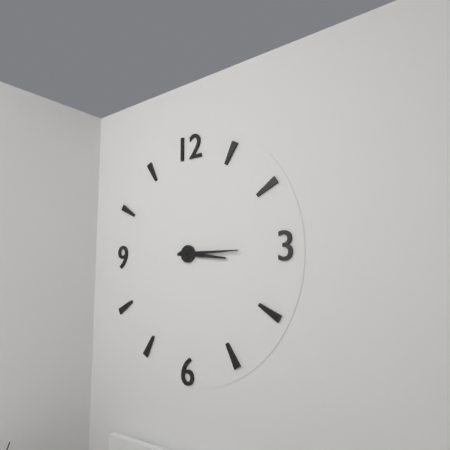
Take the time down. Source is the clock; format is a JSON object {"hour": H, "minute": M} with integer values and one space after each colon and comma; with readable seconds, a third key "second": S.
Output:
{"hour": 3, "minute": 15}
